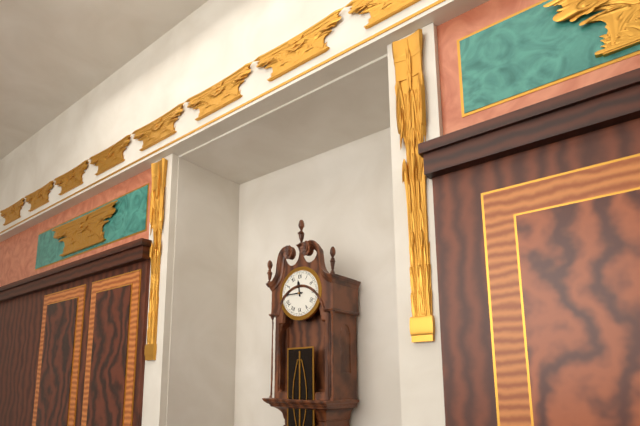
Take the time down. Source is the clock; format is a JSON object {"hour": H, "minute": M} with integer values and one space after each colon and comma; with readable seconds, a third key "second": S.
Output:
{"hour": 11, "minute": 45}
